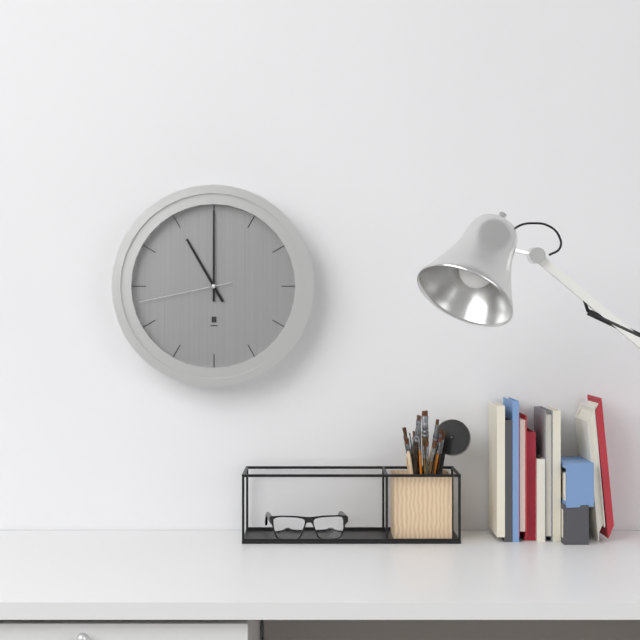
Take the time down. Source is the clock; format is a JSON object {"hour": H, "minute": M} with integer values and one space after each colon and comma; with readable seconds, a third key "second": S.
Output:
{"hour": 11, "minute": 0, "second": 43}
